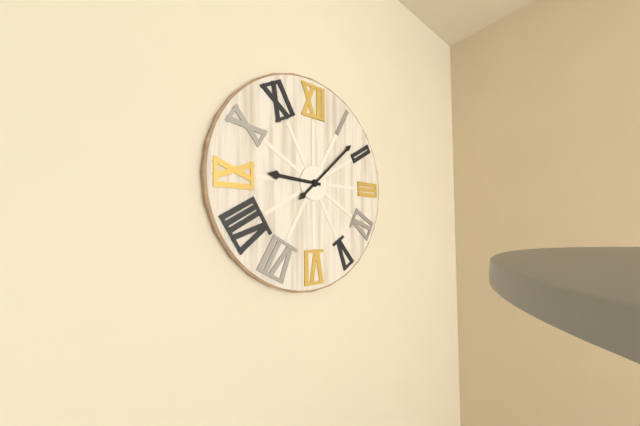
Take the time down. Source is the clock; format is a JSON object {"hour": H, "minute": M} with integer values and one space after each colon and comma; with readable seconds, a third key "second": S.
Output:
{"hour": 9, "minute": 8}
